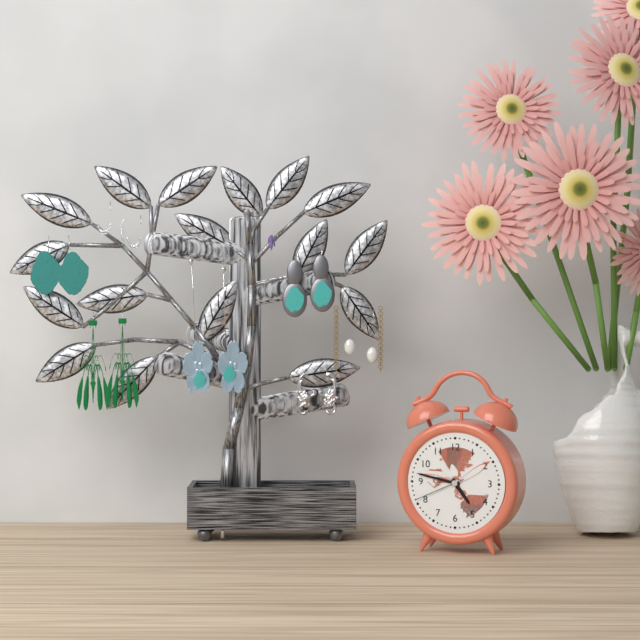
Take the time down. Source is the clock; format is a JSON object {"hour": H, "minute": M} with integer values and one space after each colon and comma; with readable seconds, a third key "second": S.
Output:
{"hour": 4, "minute": 47, "second": 41}
